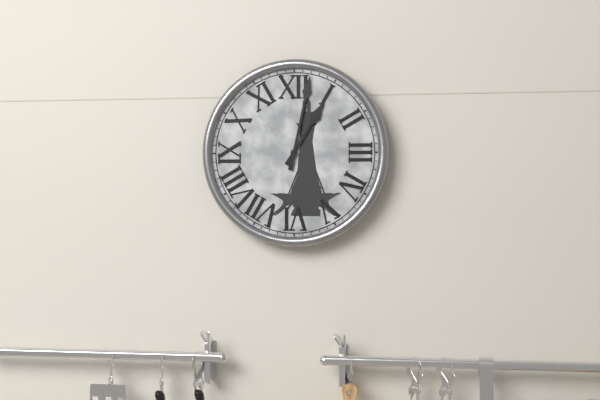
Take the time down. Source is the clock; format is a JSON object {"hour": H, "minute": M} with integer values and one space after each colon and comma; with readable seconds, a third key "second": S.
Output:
{"hour": 1, "minute": 2}
